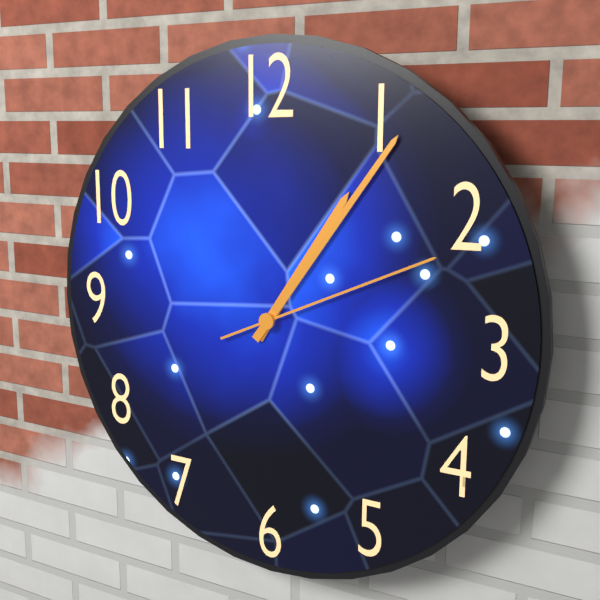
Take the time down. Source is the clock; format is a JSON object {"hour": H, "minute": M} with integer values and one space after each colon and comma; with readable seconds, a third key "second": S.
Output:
{"hour": 1, "minute": 6, "second": 11}
